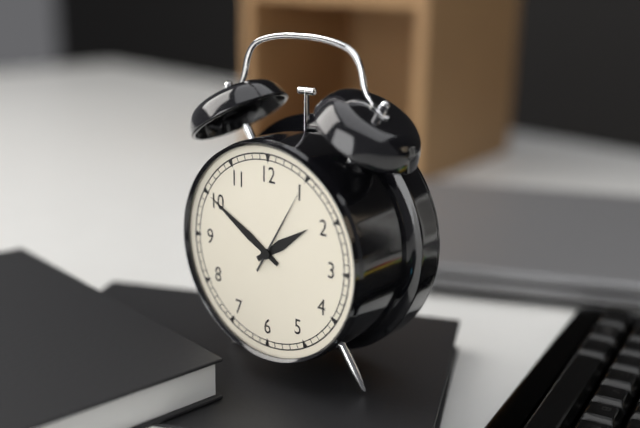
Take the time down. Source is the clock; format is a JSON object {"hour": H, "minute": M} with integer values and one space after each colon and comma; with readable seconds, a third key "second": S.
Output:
{"hour": 1, "minute": 50, "second": 5}
